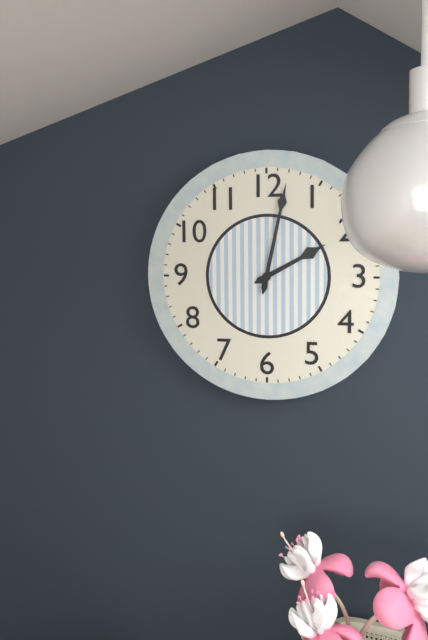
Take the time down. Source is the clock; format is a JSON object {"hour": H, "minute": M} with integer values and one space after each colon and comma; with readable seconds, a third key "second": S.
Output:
{"hour": 2, "minute": 2}
